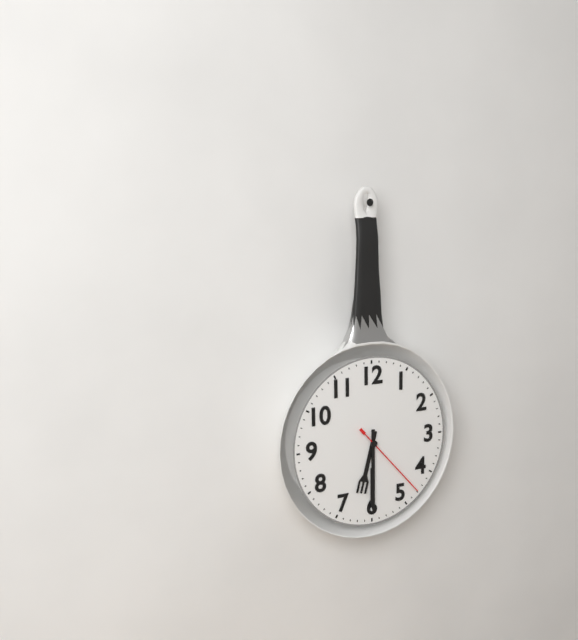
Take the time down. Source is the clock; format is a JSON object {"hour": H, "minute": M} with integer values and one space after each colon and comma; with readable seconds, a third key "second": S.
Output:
{"hour": 6, "minute": 30, "second": 23}
